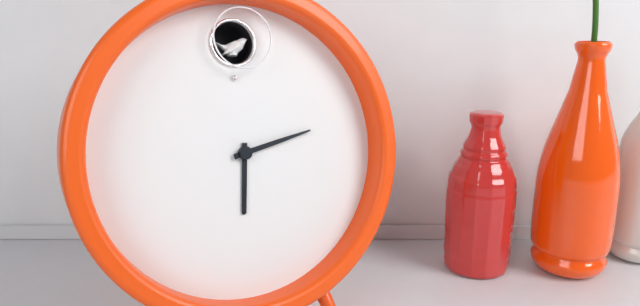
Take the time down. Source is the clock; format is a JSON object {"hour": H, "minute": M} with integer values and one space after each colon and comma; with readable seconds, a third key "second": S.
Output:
{"hour": 6, "minute": 13}
